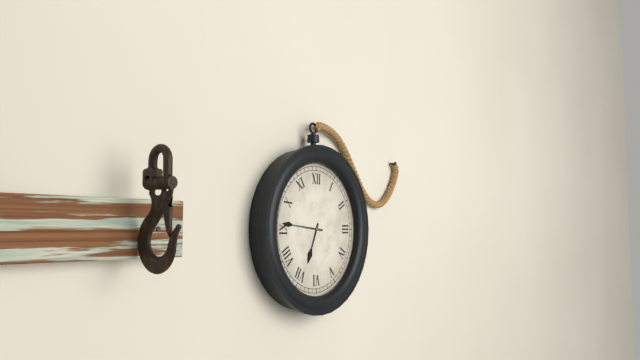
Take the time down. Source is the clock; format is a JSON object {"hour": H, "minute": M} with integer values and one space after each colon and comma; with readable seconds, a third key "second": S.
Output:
{"hour": 6, "minute": 46}
